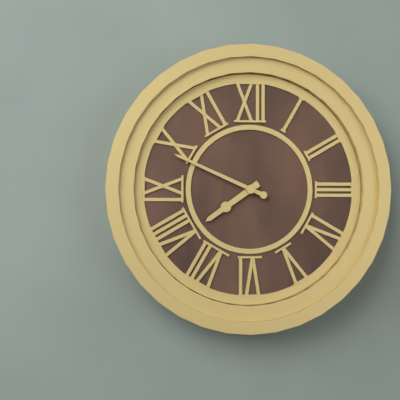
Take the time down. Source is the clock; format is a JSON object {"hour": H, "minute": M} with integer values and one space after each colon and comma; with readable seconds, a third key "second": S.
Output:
{"hour": 7, "minute": 49}
